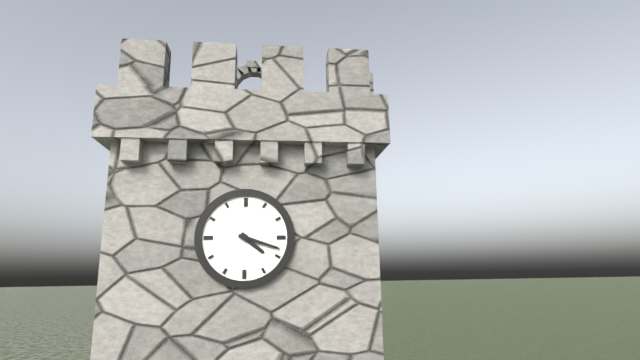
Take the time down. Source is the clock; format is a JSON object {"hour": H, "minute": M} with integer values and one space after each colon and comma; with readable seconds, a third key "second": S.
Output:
{"hour": 4, "minute": 18}
